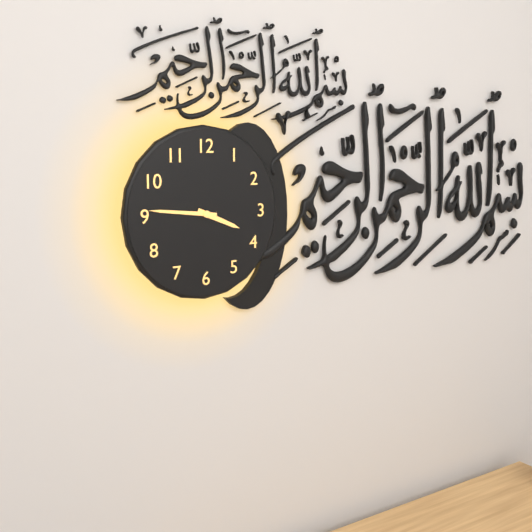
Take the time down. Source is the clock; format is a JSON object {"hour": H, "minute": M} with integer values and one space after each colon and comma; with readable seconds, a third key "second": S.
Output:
{"hour": 3, "minute": 46}
